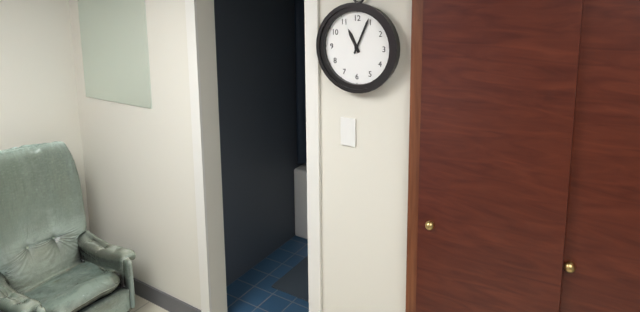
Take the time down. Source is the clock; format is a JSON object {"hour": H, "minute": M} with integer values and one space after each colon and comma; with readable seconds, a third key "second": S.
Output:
{"hour": 11, "minute": 4}
